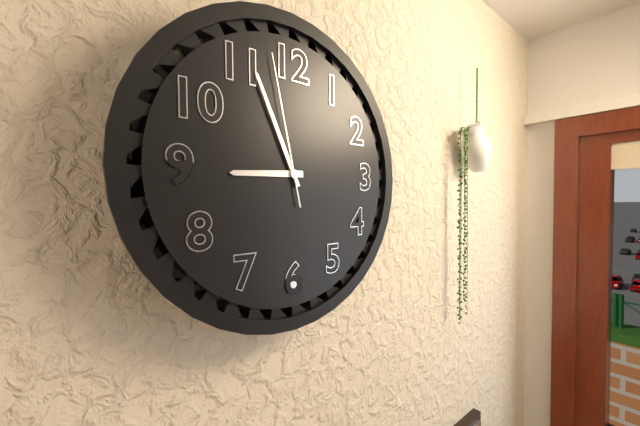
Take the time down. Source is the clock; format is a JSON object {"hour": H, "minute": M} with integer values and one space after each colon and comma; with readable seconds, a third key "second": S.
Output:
{"hour": 8, "minute": 56, "second": 58}
